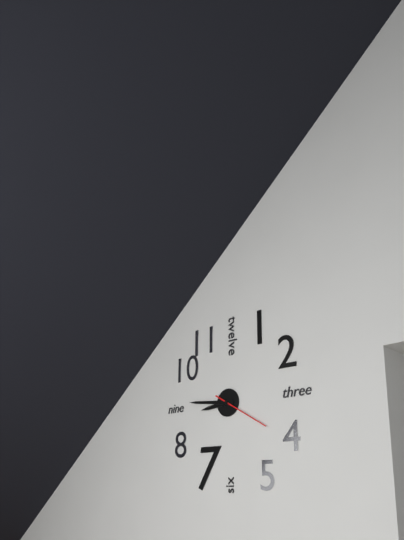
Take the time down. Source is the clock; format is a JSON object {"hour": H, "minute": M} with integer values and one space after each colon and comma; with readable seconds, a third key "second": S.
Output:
{"hour": 8, "minute": 46, "second": 20}
